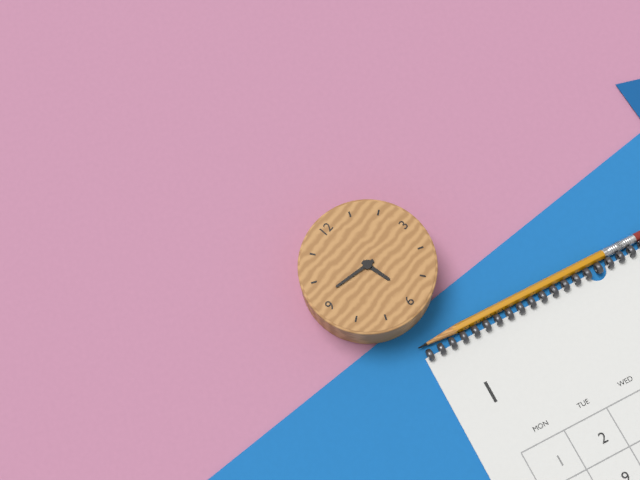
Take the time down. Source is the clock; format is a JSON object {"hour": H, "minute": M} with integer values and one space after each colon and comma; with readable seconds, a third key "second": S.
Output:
{"hour": 5, "minute": 47}
